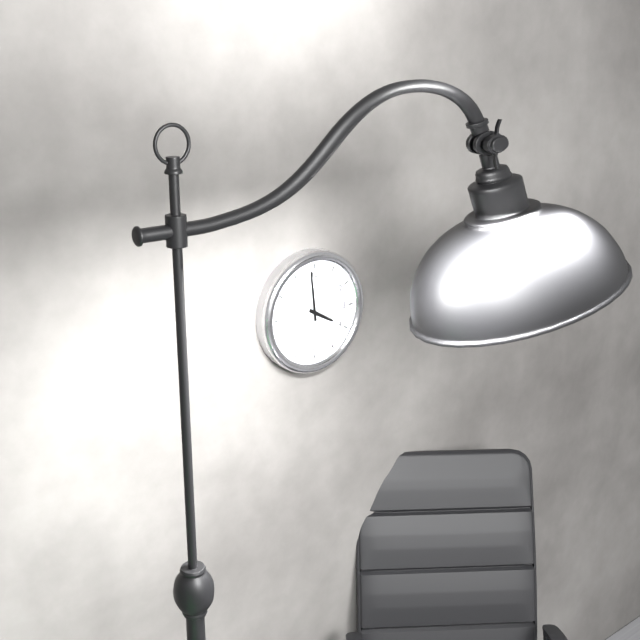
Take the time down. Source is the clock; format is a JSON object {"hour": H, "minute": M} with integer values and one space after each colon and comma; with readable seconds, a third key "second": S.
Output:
{"hour": 3, "minute": 59}
